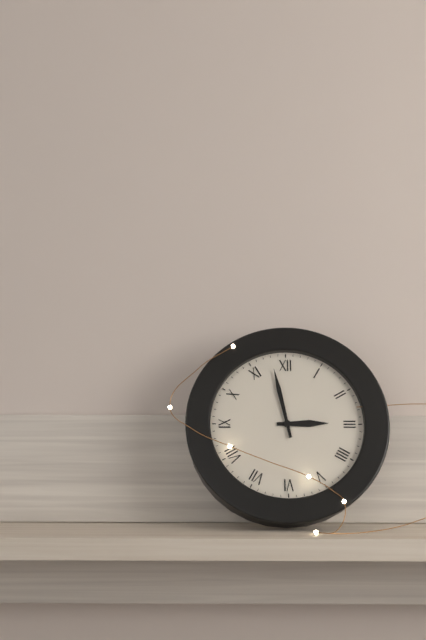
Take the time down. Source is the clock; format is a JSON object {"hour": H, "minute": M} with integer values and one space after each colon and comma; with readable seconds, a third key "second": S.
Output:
{"hour": 2, "minute": 58}
